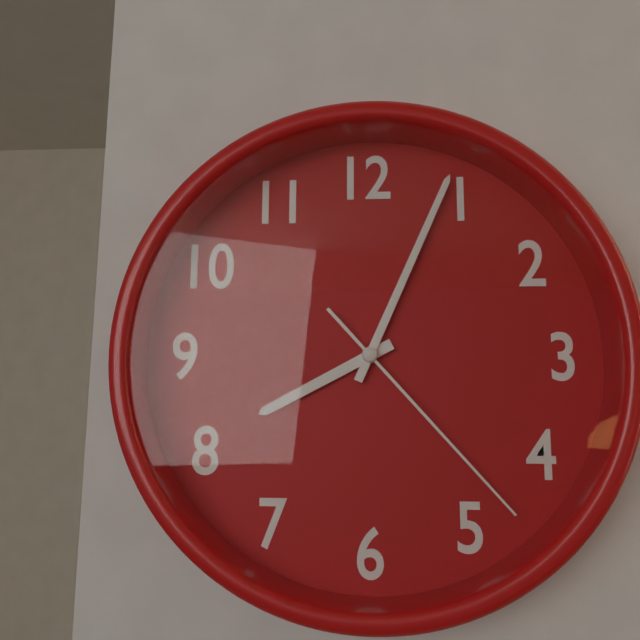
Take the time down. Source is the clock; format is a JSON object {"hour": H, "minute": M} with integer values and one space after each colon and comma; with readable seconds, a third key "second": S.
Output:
{"hour": 8, "minute": 4, "second": 23}
